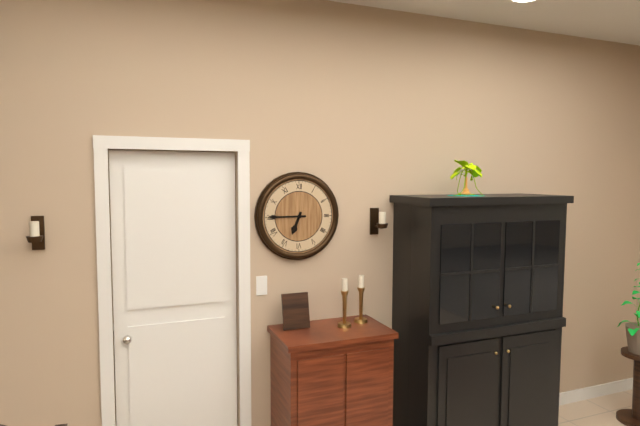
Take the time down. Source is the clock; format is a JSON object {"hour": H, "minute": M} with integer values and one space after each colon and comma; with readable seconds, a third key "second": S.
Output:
{"hour": 6, "minute": 45}
